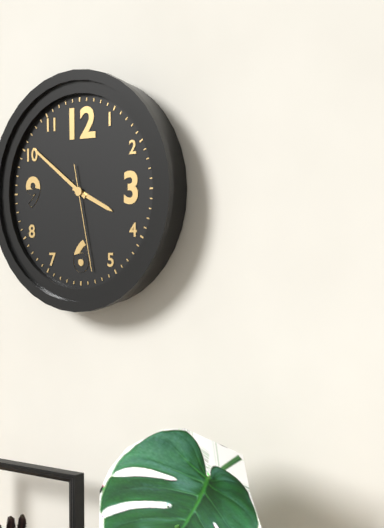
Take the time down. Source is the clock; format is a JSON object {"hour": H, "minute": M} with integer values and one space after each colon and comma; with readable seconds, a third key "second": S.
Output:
{"hour": 3, "minute": 51, "second": 28}
